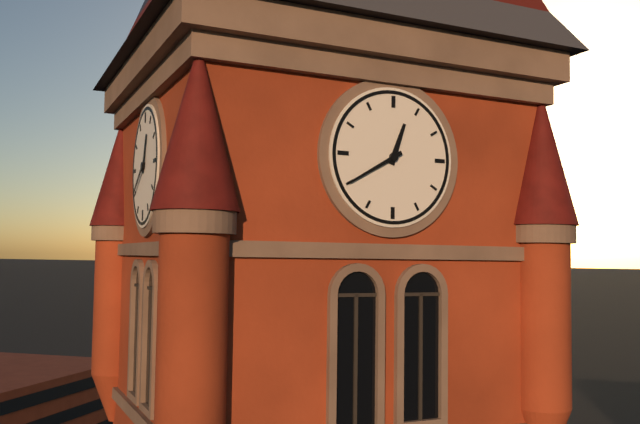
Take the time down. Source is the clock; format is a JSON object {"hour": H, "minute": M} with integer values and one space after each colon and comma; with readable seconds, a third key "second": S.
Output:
{"hour": 12, "minute": 40}
